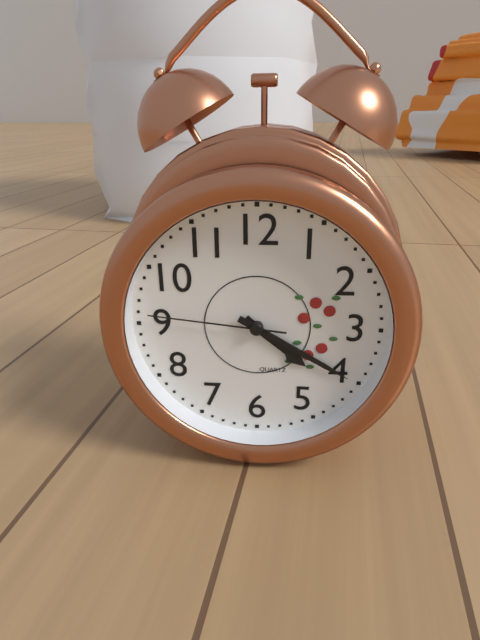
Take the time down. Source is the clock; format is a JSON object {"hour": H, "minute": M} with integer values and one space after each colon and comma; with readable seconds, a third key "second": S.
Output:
{"hour": 4, "minute": 20, "second": 46}
